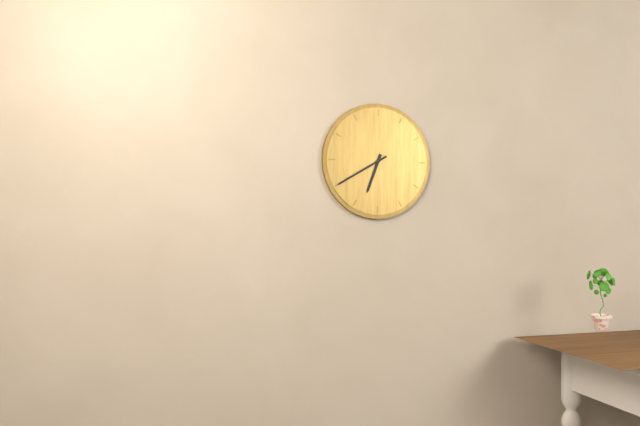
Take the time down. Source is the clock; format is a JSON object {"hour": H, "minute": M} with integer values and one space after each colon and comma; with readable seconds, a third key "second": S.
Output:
{"hour": 6, "minute": 40}
